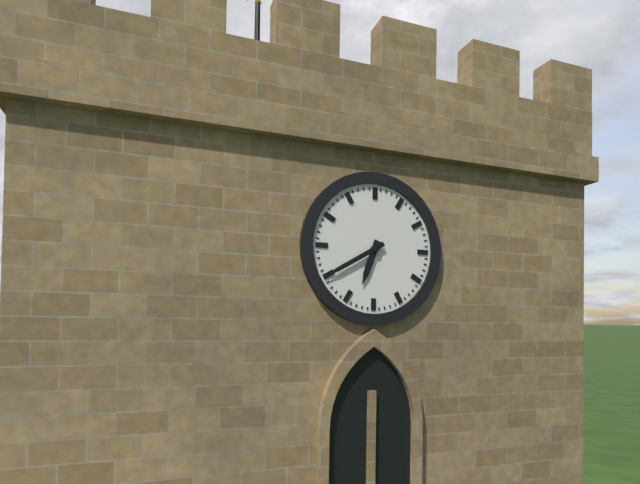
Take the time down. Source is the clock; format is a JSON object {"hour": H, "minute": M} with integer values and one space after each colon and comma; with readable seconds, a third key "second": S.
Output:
{"hour": 6, "minute": 40}
